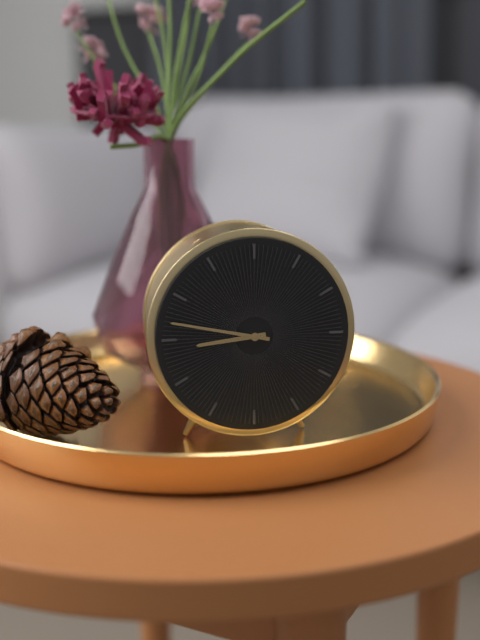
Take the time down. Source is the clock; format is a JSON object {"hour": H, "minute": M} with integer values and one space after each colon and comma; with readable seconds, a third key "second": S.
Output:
{"hour": 8, "minute": 47}
